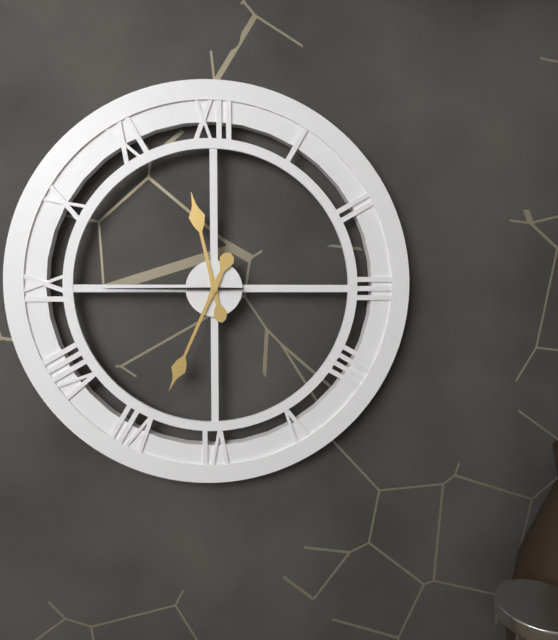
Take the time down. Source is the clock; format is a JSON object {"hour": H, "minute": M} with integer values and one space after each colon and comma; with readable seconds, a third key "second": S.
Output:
{"hour": 11, "minute": 34, "second": 45}
